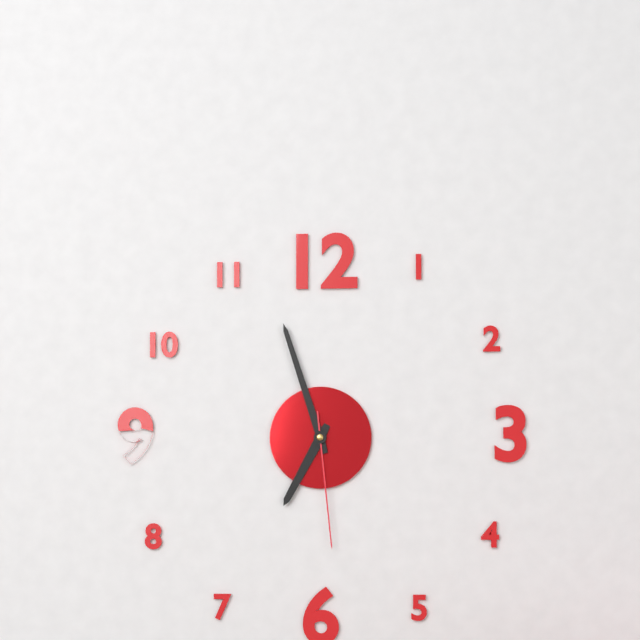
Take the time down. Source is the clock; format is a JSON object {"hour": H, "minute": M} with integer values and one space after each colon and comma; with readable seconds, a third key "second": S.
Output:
{"hour": 6, "minute": 57, "second": 29}
